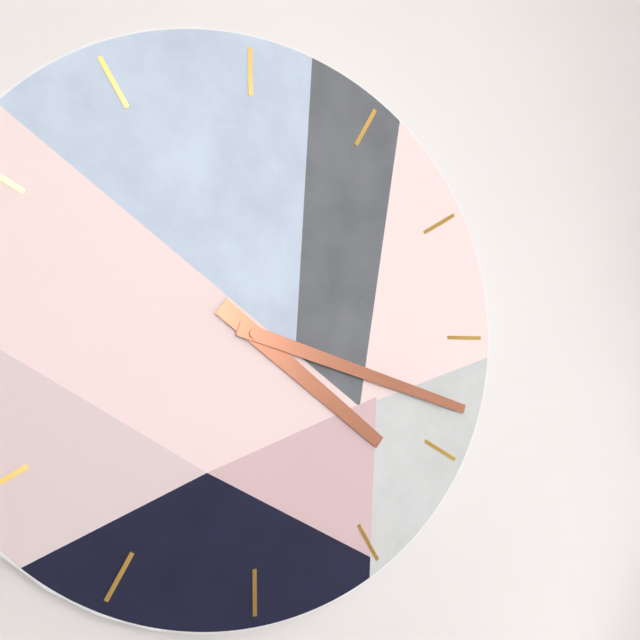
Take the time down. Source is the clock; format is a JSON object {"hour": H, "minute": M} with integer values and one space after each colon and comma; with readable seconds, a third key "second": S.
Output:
{"hour": 4, "minute": 18}
